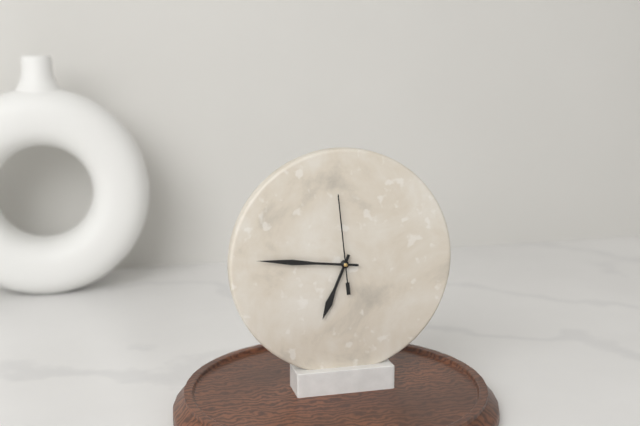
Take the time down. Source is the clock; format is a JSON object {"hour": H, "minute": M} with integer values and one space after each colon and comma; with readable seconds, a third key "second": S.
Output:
{"hour": 6, "minute": 46, "second": 59}
